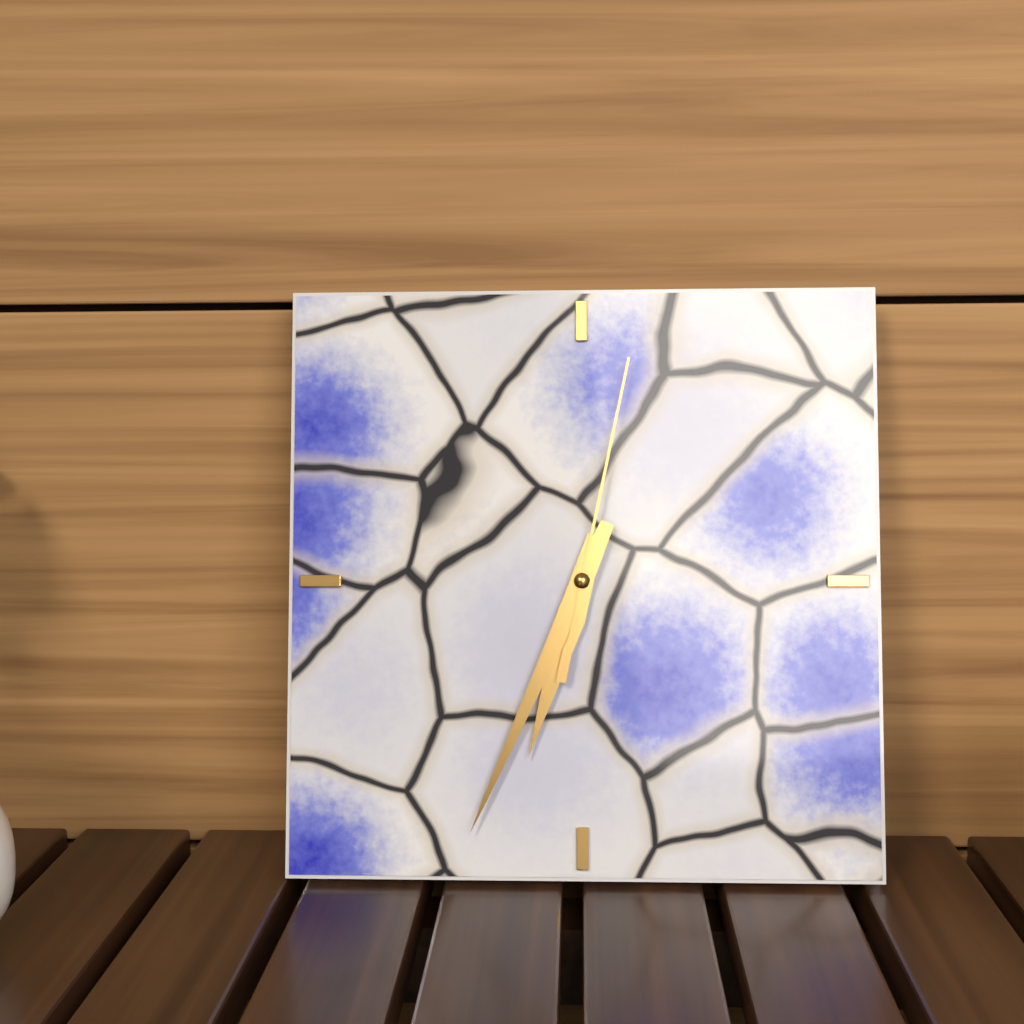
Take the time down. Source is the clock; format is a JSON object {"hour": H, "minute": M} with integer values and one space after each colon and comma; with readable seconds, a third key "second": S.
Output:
{"hour": 6, "minute": 34, "second": 2}
